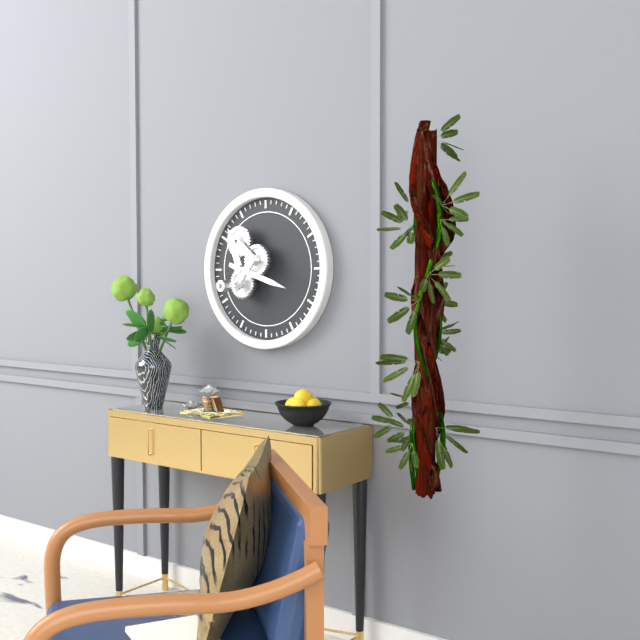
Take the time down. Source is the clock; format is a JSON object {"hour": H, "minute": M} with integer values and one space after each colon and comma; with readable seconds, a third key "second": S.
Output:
{"hour": 11, "minute": 18}
